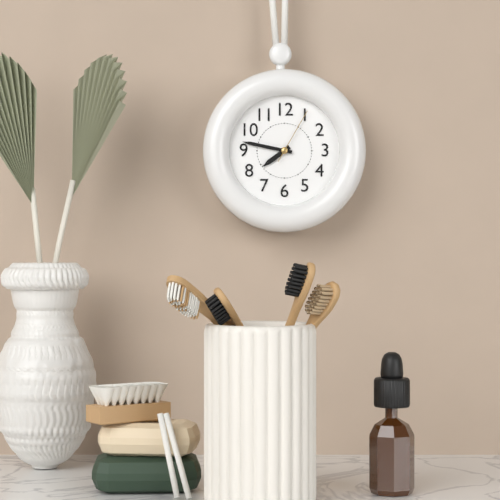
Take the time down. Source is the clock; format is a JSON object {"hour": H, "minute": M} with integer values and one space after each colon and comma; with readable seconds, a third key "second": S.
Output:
{"hour": 7, "minute": 47, "second": 5}
